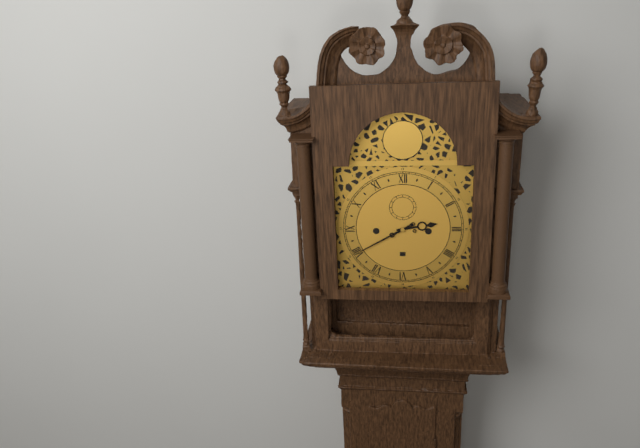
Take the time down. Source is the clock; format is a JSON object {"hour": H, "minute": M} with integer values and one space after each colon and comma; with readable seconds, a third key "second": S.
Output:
{"hour": 2, "minute": 40}
